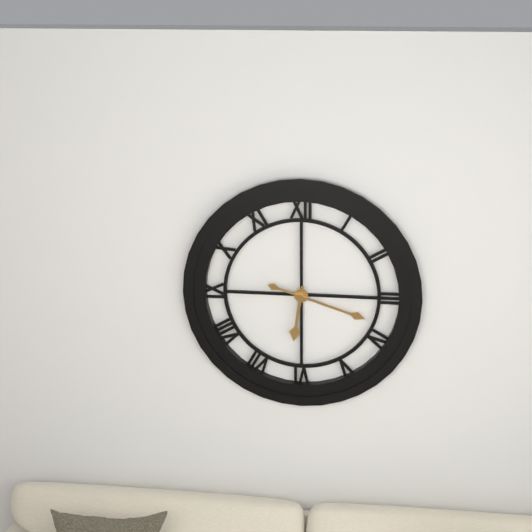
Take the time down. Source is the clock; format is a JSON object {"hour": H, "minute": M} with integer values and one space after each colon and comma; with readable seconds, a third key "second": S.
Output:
{"hour": 6, "minute": 18}
